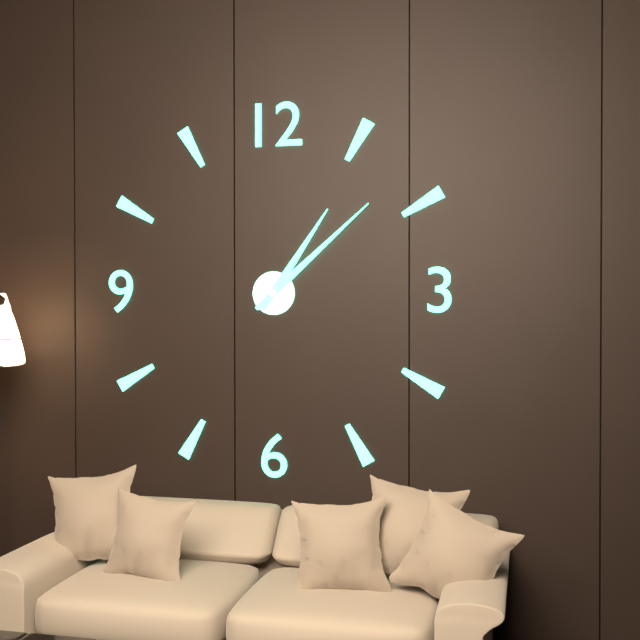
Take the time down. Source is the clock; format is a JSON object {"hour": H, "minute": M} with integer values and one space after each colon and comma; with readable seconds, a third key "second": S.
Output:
{"hour": 1, "minute": 8}
